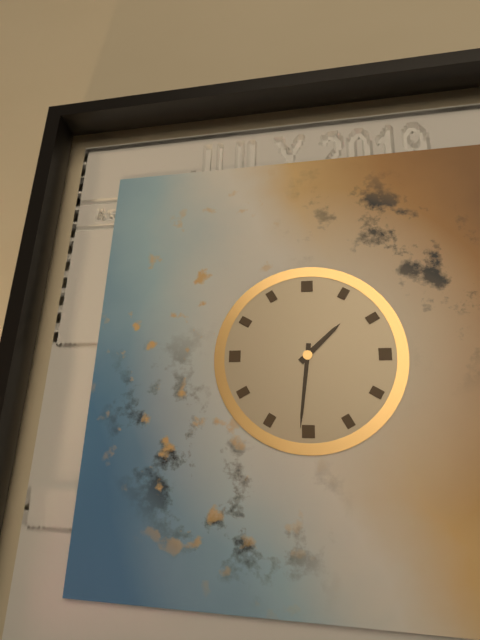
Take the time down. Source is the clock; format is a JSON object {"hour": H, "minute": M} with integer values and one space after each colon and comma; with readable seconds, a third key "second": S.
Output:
{"hour": 1, "minute": 31}
